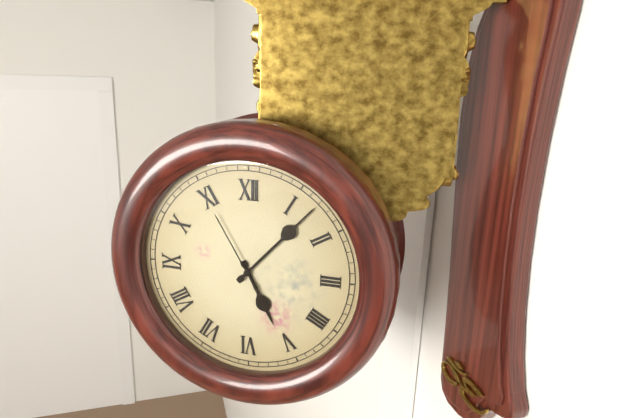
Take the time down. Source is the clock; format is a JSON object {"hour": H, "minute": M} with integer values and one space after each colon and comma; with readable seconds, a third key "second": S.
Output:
{"hour": 5, "minute": 7, "second": 55}
